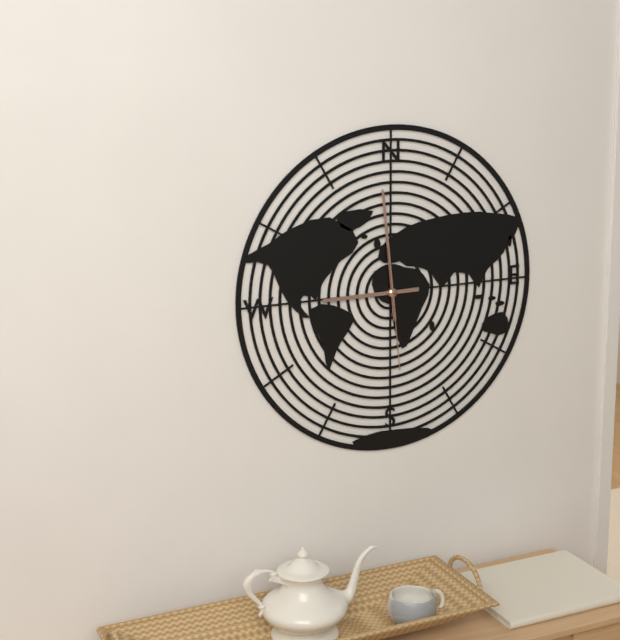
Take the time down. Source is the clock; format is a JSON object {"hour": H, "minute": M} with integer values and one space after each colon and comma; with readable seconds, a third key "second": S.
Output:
{"hour": 8, "minute": 59, "second": 29}
